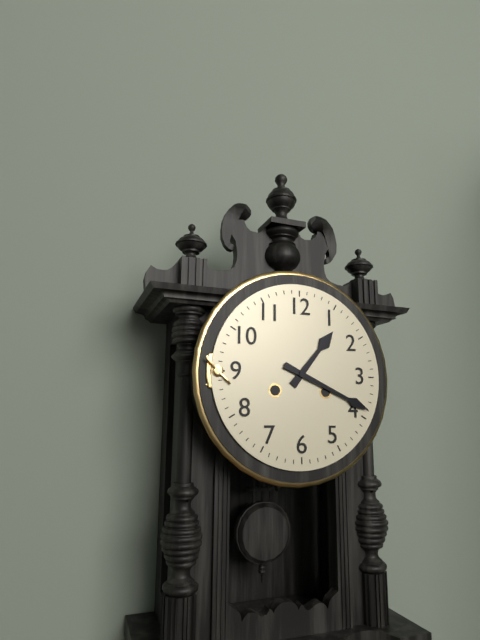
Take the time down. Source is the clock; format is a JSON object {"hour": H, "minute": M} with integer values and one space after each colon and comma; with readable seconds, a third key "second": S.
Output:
{"hour": 1, "minute": 19}
